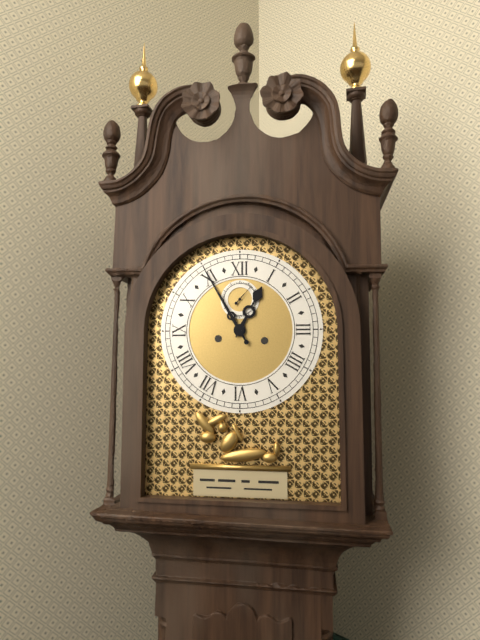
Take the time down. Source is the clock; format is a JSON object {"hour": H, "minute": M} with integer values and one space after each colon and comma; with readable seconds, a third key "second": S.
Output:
{"hour": 12, "minute": 55}
